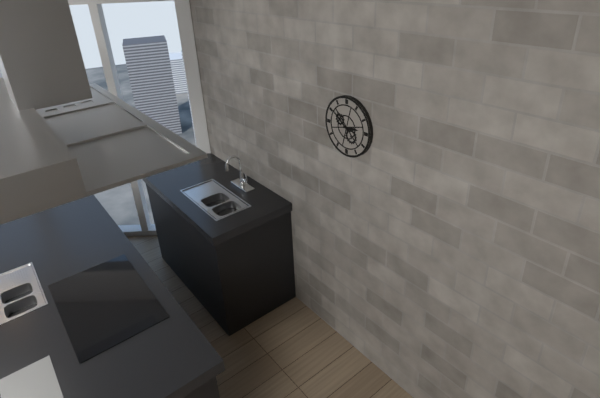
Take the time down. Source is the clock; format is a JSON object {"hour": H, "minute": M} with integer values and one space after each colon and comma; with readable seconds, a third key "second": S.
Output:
{"hour": 2, "minute": 51}
